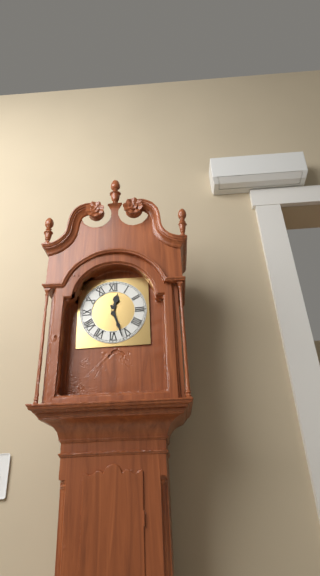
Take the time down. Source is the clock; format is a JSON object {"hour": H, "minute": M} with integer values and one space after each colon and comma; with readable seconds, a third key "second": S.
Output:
{"hour": 12, "minute": 27}
